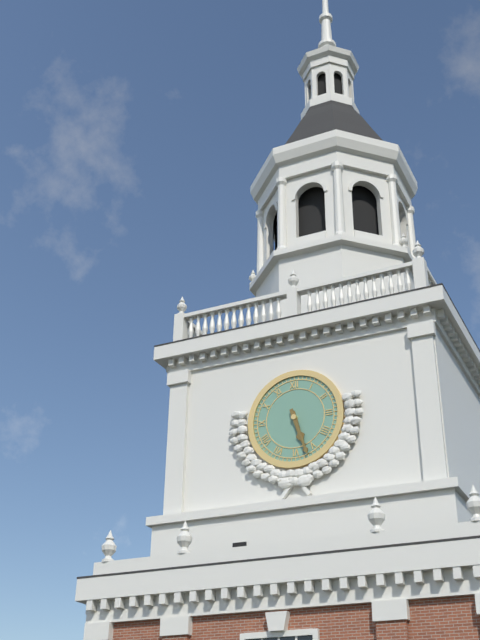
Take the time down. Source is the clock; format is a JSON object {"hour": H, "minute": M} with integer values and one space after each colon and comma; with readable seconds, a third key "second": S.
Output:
{"hour": 5, "minute": 27}
